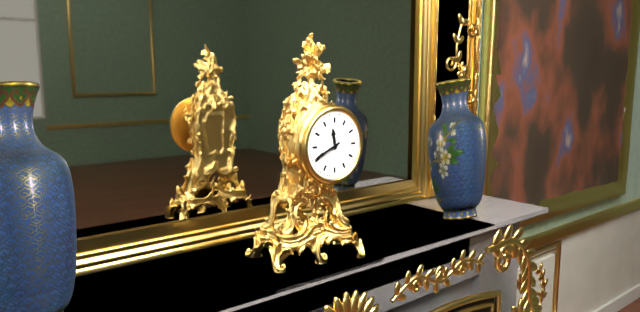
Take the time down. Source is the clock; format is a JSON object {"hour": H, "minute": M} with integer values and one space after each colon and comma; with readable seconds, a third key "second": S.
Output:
{"hour": 11, "minute": 41}
